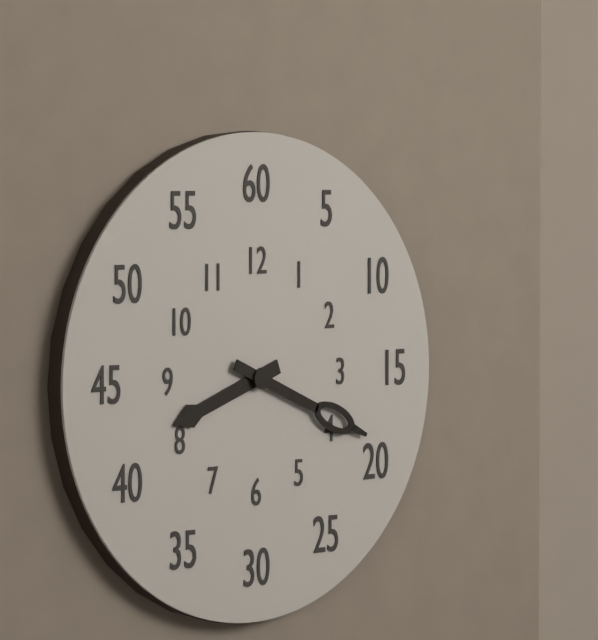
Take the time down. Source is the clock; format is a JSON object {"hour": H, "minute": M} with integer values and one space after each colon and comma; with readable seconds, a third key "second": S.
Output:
{"hour": 8, "minute": 19}
